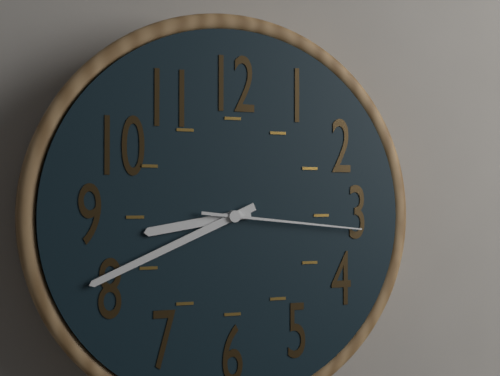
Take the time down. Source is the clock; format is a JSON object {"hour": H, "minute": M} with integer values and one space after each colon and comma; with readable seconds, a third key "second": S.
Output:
{"hour": 8, "minute": 41, "second": 16}
